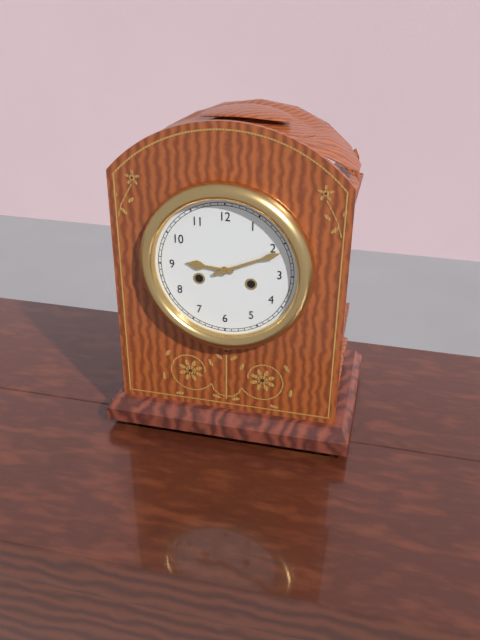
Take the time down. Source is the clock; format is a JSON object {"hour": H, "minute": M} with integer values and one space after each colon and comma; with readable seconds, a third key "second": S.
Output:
{"hour": 9, "minute": 11}
